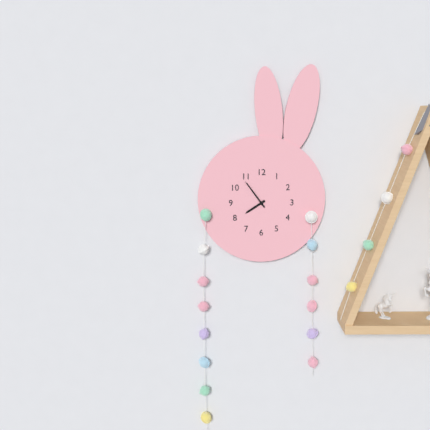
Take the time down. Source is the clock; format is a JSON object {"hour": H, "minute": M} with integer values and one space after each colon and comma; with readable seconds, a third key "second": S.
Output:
{"hour": 7, "minute": 54}
